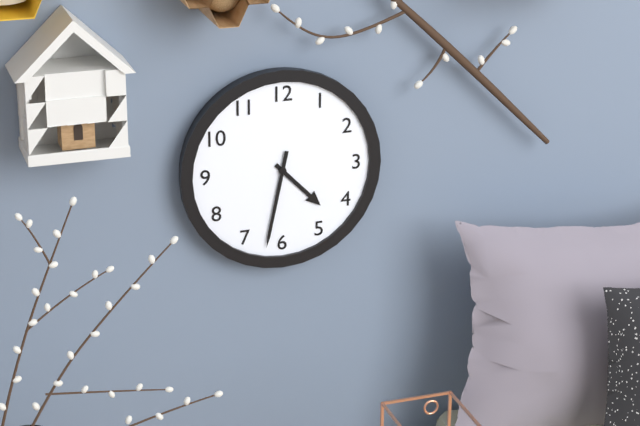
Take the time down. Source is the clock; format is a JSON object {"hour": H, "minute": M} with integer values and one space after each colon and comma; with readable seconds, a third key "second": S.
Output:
{"hour": 4, "minute": 32}
